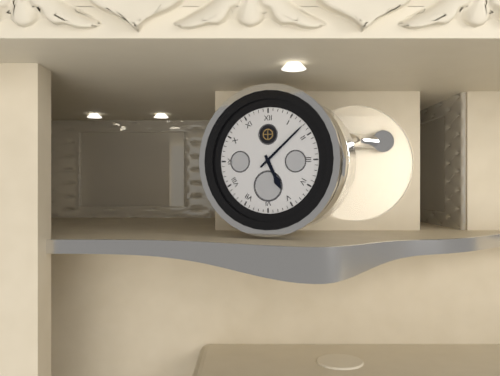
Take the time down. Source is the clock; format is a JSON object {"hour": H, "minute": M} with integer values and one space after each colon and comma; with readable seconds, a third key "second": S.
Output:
{"hour": 5, "minute": 8}
